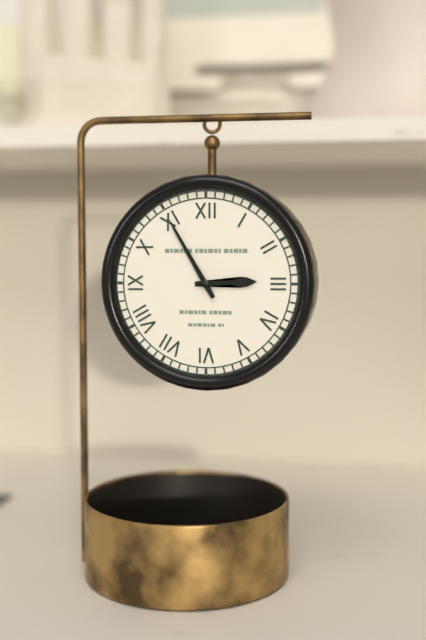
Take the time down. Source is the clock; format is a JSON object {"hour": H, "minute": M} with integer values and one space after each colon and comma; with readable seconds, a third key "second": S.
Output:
{"hour": 2, "minute": 55}
